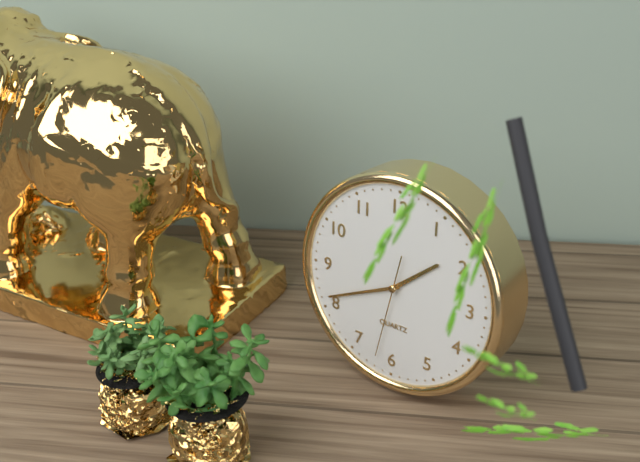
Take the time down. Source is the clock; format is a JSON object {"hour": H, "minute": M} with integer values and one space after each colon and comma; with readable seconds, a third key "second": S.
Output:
{"hour": 1, "minute": 41, "second": 32}
